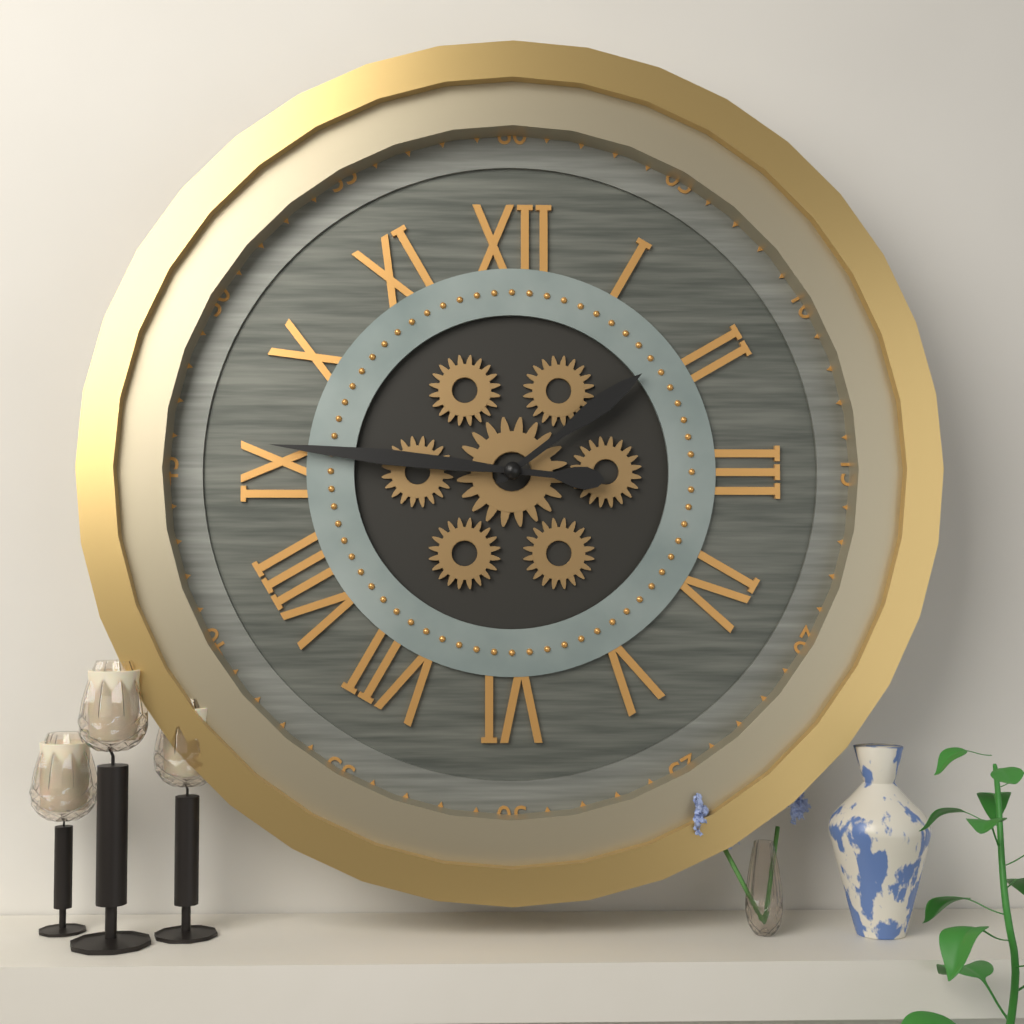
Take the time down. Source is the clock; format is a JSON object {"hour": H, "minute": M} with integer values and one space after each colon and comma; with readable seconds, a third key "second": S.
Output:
{"hour": 1, "minute": 46}
